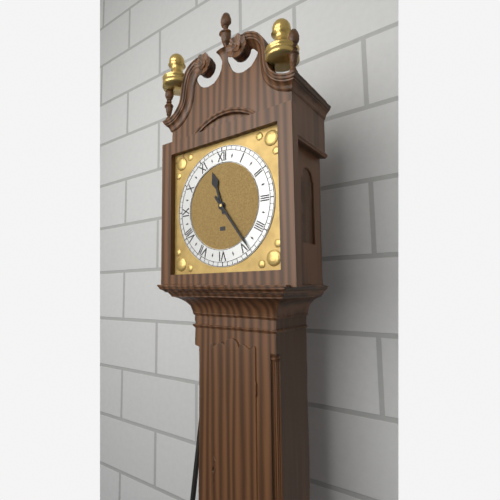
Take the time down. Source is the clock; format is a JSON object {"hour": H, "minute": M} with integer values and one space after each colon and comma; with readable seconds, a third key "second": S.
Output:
{"hour": 11, "minute": 24}
